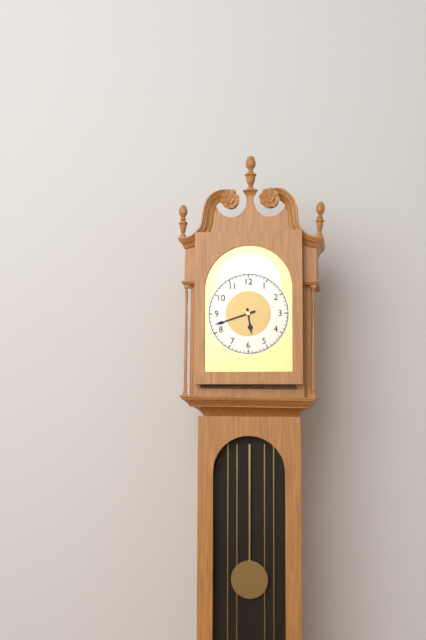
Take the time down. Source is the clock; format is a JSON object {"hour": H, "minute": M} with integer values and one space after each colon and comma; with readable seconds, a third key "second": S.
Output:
{"hour": 5, "minute": 42}
